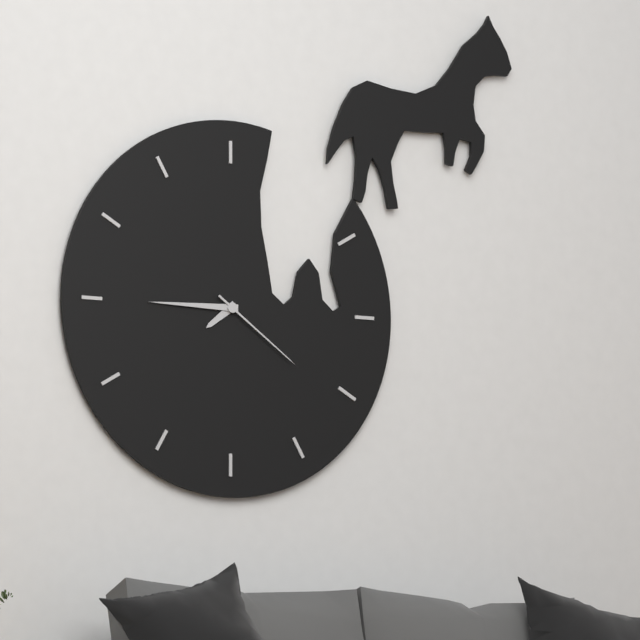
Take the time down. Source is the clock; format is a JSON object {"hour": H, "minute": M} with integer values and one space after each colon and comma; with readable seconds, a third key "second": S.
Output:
{"hour": 7, "minute": 45, "second": 21}
